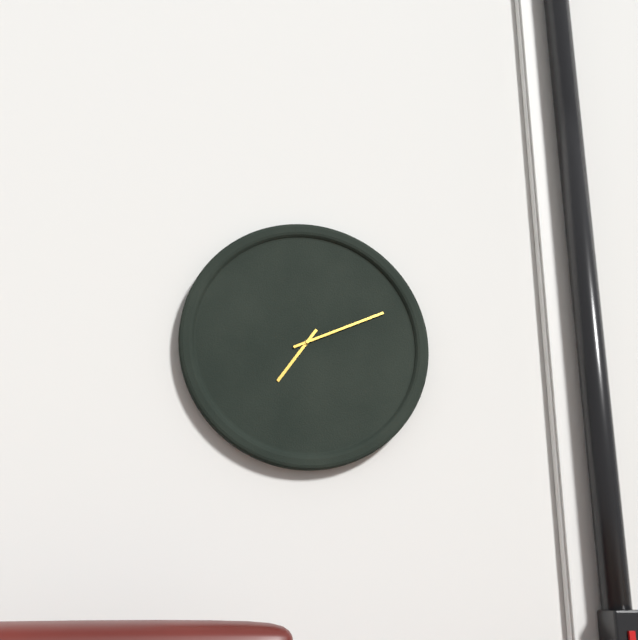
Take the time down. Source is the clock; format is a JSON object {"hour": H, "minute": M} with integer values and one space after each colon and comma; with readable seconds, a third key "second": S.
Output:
{"hour": 7, "minute": 11}
